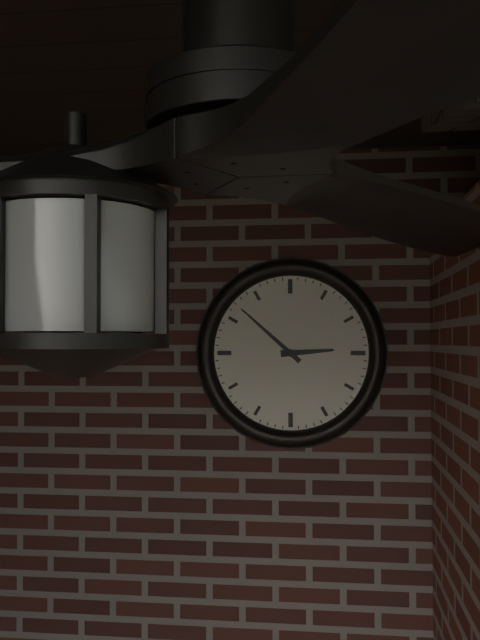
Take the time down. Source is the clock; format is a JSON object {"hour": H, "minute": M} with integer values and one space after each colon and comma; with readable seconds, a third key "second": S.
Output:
{"hour": 2, "minute": 52}
